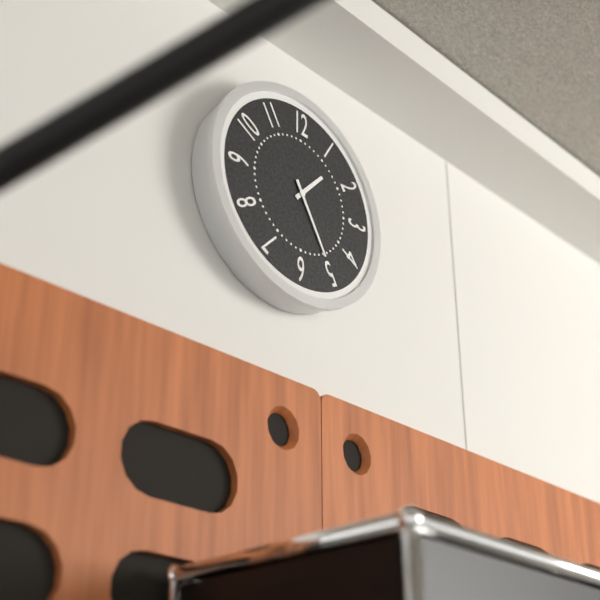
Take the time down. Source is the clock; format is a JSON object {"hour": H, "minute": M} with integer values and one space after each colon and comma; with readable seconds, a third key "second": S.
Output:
{"hour": 1, "minute": 25}
